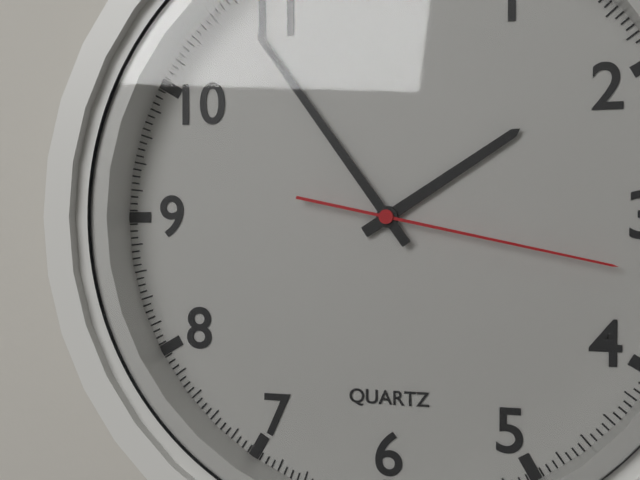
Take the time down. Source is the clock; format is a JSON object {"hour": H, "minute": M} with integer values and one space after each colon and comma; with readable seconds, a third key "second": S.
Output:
{"hour": 1, "minute": 54, "second": 17}
